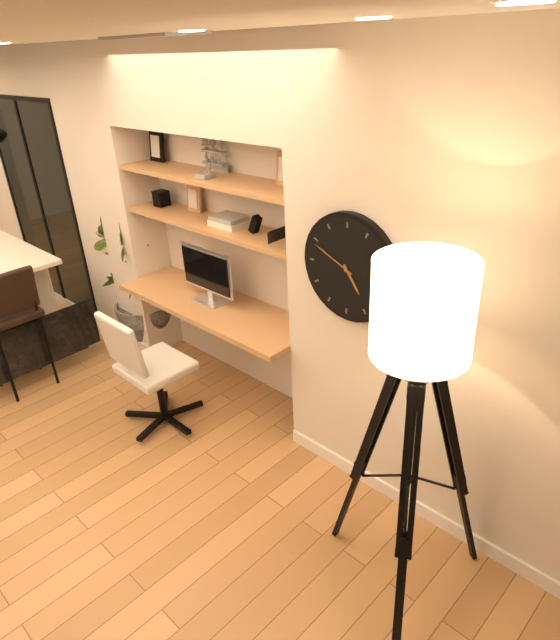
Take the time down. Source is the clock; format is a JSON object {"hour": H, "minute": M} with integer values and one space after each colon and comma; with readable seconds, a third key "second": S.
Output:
{"hour": 4, "minute": 49}
